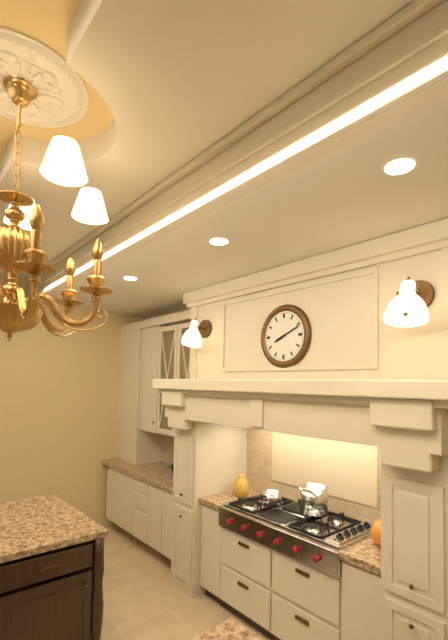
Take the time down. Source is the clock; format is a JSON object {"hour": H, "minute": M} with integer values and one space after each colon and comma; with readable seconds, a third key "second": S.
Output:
{"hour": 8, "minute": 11}
